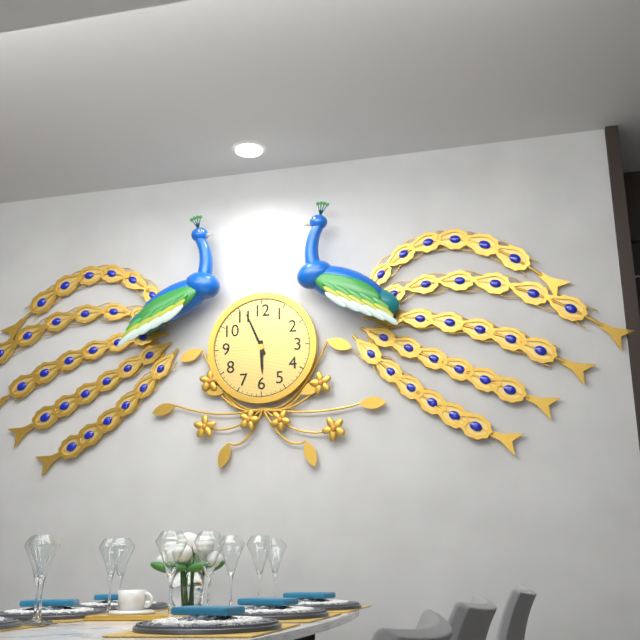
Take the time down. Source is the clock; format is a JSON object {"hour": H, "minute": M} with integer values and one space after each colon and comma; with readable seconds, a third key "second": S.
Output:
{"hour": 5, "minute": 56}
